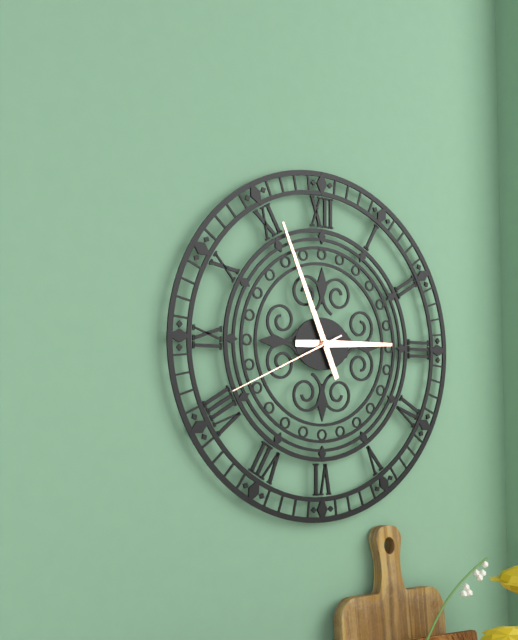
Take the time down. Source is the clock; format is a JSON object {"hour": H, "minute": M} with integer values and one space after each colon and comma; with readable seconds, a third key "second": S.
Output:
{"hour": 2, "minute": 56, "second": 41}
